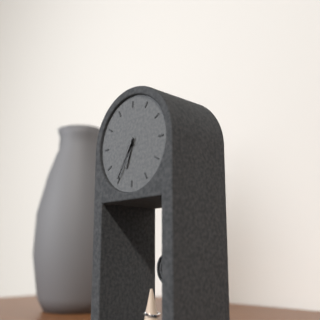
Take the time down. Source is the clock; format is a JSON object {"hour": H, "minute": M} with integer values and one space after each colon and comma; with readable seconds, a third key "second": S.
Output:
{"hour": 6, "minute": 35}
